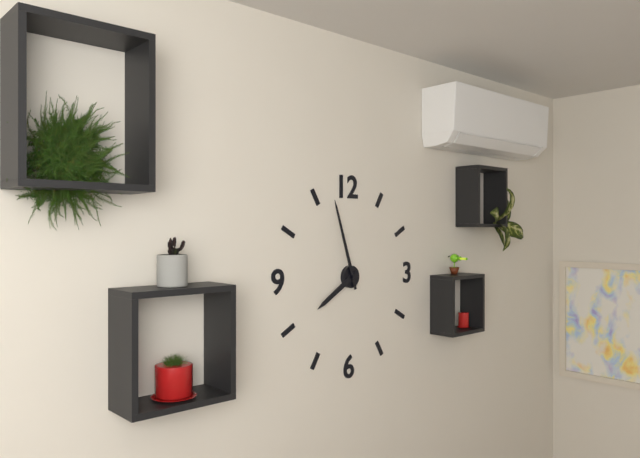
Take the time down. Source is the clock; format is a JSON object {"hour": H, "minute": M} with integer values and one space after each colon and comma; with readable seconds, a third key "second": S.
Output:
{"hour": 7, "minute": 57}
